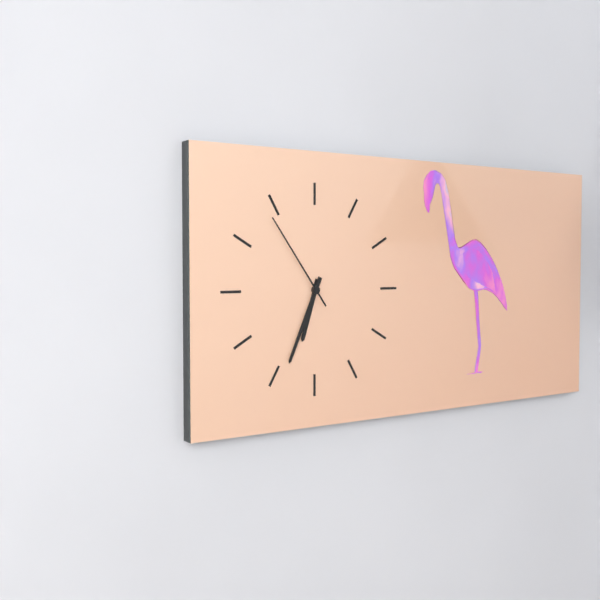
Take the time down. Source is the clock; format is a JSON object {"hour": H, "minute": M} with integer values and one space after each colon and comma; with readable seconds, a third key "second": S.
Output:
{"hour": 6, "minute": 34, "second": 54}
